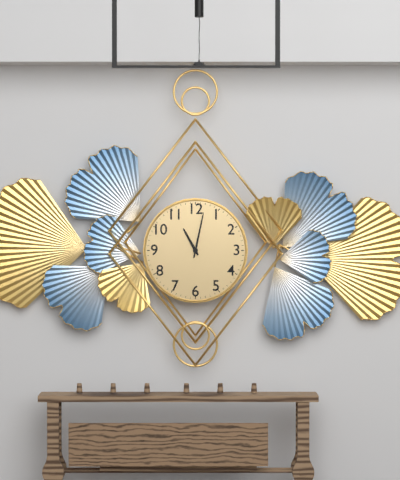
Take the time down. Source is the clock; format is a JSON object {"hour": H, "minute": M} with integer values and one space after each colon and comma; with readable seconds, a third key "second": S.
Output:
{"hour": 11, "minute": 2}
